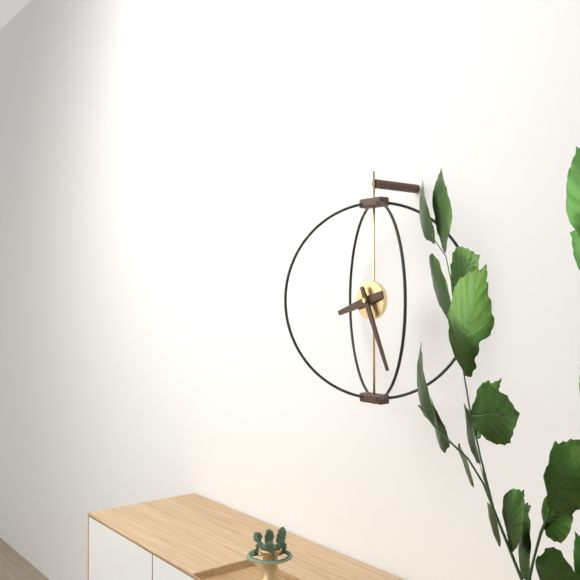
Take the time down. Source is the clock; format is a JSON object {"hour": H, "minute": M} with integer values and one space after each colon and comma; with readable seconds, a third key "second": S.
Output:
{"hour": 8, "minute": 26}
